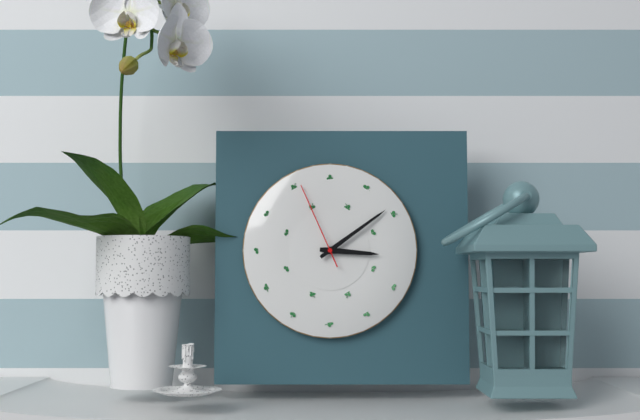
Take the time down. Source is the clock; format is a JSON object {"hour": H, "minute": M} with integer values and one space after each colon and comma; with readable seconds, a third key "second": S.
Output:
{"hour": 3, "minute": 9, "second": 56}
